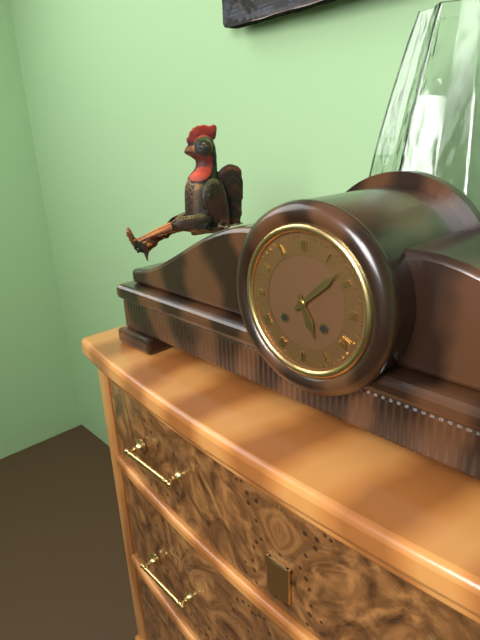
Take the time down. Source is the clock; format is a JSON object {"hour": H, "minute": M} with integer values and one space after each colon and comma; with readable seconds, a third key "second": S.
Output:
{"hour": 5, "minute": 8}
